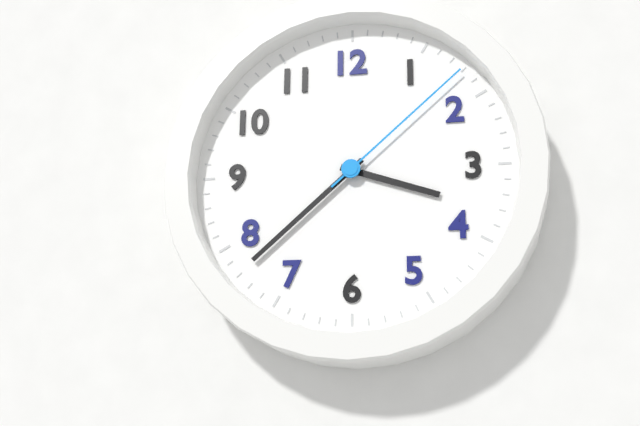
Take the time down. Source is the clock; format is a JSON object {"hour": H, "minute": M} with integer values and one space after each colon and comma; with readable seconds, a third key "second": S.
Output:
{"hour": 3, "minute": 38, "second": 8}
